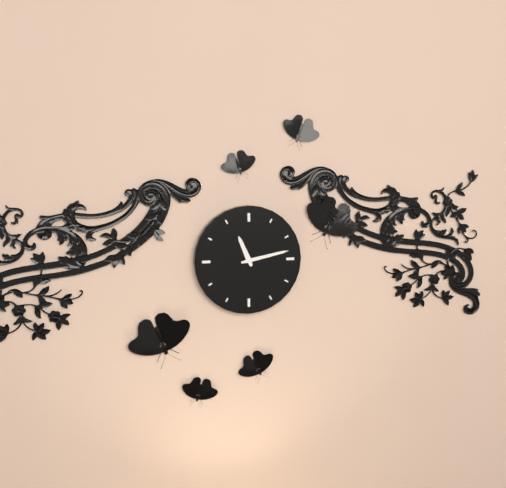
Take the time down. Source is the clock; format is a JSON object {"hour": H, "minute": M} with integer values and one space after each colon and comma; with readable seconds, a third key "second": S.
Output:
{"hour": 11, "minute": 13}
